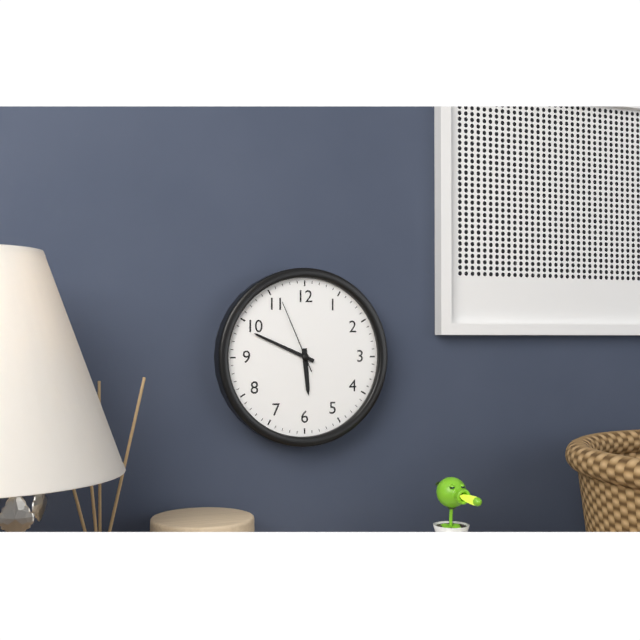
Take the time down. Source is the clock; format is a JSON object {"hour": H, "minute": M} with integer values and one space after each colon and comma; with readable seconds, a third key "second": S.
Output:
{"hour": 5, "minute": 49, "second": 56}
